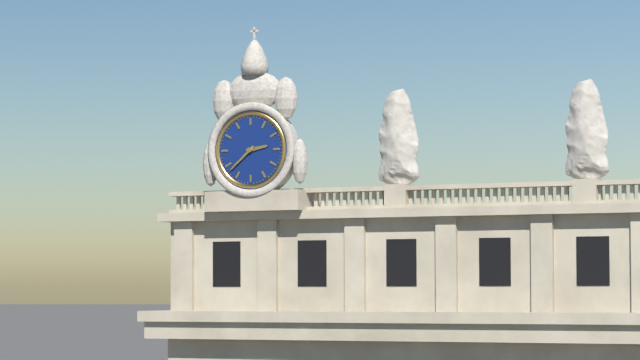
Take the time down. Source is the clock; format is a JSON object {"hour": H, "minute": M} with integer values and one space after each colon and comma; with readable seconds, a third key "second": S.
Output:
{"hour": 2, "minute": 38}
